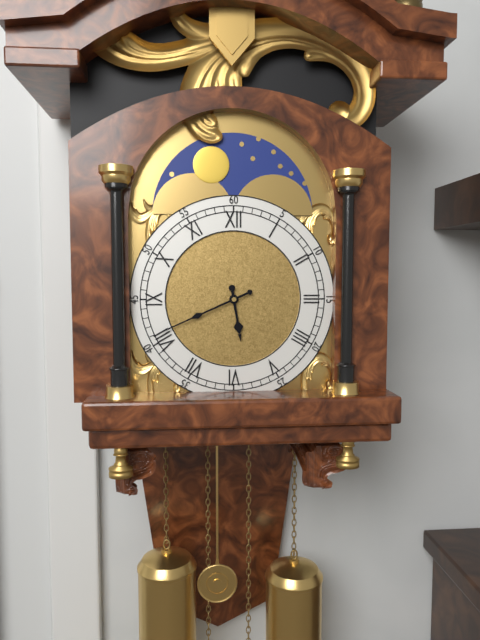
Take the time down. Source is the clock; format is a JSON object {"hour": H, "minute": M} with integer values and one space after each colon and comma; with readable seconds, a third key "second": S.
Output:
{"hour": 5, "minute": 41}
